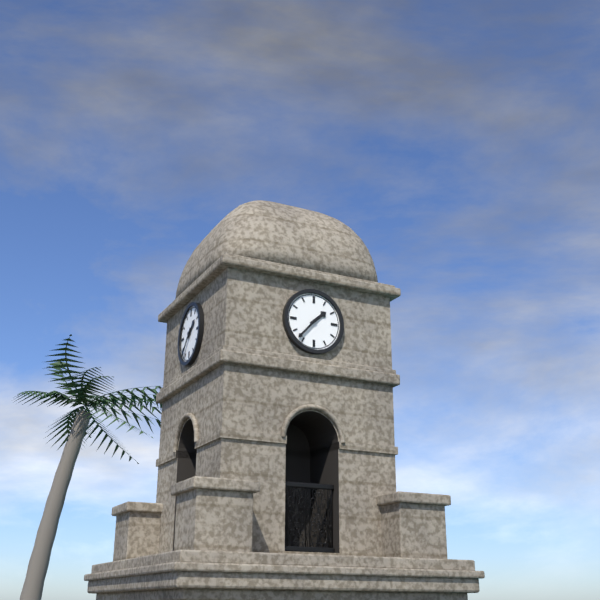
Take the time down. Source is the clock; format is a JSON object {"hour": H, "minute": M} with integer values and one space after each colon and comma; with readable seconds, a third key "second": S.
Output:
{"hour": 1, "minute": 37}
